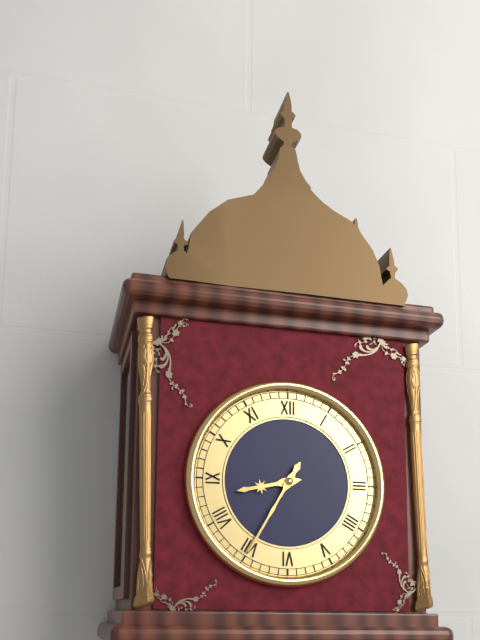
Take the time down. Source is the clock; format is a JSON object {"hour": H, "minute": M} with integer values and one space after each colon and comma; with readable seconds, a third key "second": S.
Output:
{"hour": 8, "minute": 35}
